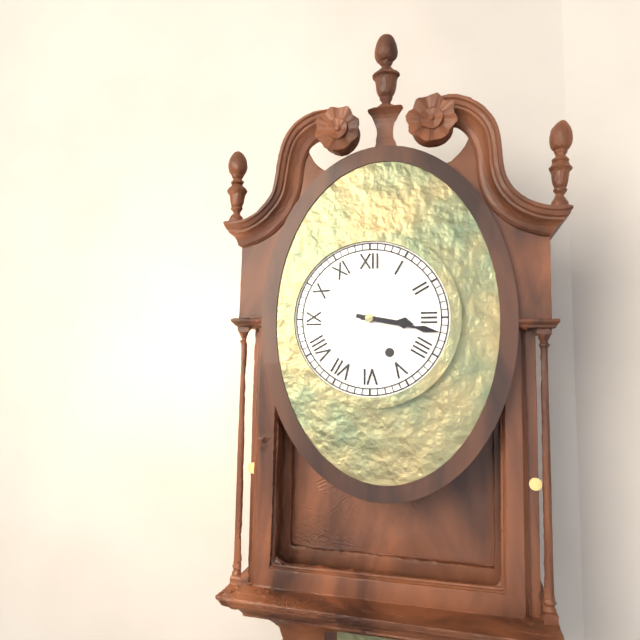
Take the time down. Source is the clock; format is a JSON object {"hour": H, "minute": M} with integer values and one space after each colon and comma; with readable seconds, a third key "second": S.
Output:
{"hour": 3, "minute": 17}
